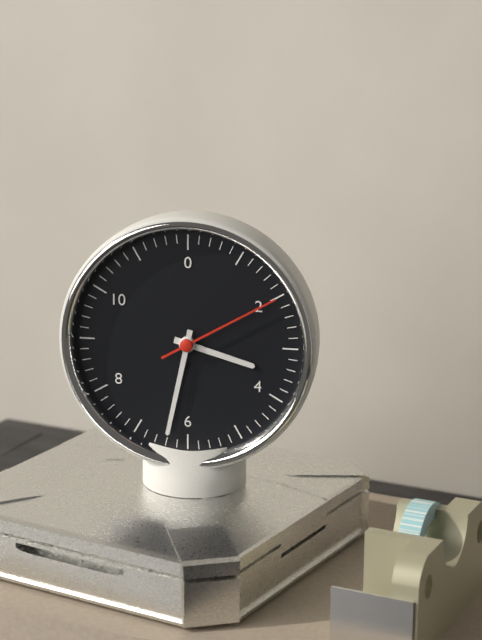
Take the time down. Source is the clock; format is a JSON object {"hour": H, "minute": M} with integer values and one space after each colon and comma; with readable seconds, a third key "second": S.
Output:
{"hour": 3, "minute": 32, "second": 10}
